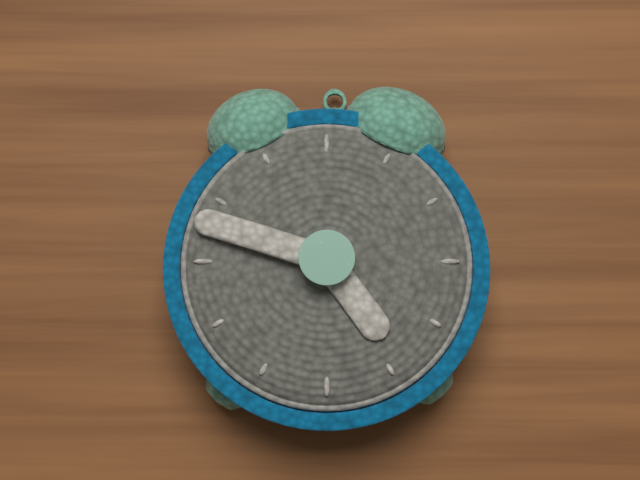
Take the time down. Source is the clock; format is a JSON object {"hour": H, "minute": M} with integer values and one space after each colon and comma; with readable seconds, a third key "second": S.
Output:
{"hour": 4, "minute": 48}
